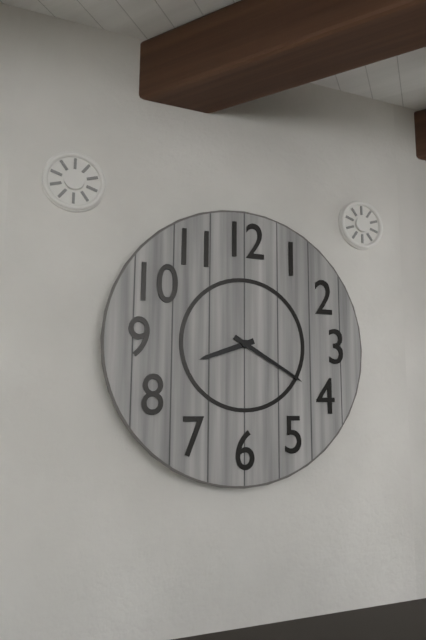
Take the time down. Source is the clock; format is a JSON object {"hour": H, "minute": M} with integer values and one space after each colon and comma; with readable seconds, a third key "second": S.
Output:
{"hour": 8, "minute": 20}
